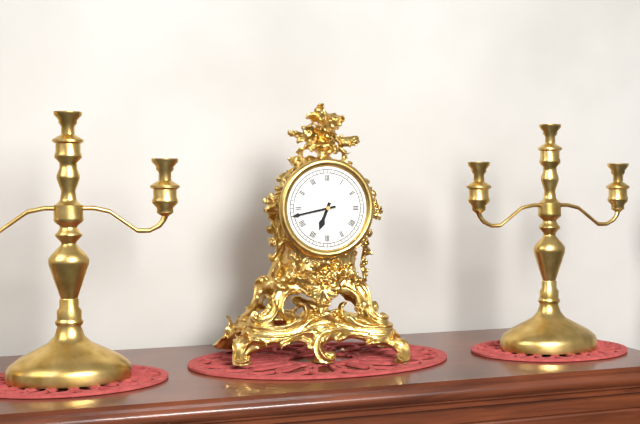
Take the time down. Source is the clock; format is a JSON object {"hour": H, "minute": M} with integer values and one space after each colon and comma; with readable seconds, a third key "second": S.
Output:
{"hour": 6, "minute": 43}
